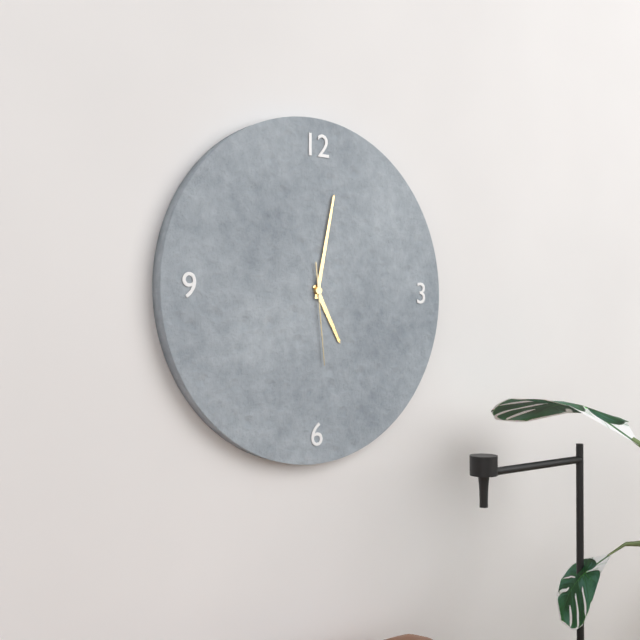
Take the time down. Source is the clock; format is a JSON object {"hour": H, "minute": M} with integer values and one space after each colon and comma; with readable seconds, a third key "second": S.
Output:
{"hour": 5, "minute": 2, "second": 29}
